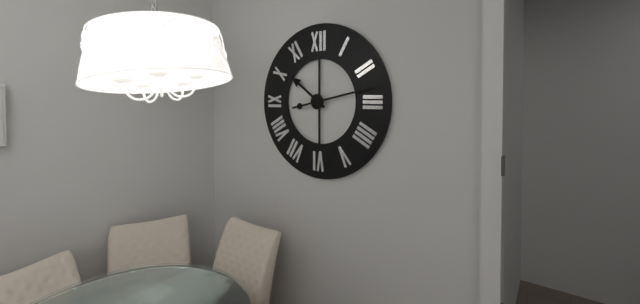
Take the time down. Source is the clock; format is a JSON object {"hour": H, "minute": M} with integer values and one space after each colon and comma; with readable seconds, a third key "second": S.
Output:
{"hour": 10, "minute": 13}
